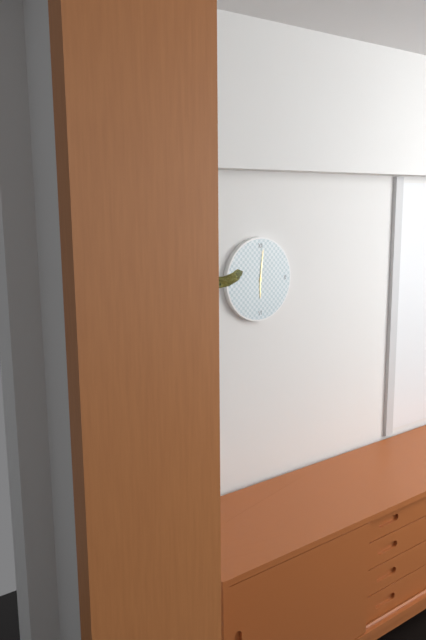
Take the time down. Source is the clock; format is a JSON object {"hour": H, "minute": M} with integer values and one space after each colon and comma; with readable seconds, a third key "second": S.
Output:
{"hour": 6, "minute": 1}
